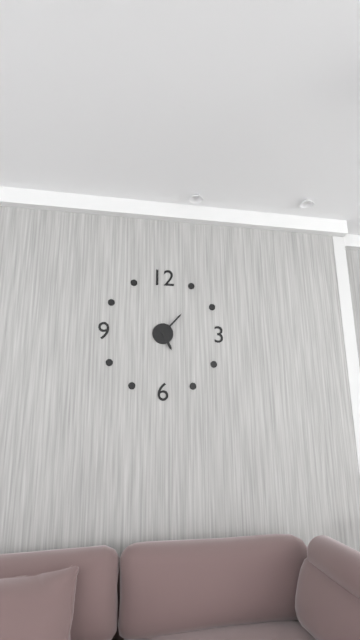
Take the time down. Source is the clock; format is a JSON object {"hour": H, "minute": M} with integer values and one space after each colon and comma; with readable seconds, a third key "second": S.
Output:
{"hour": 5, "minute": 7}
